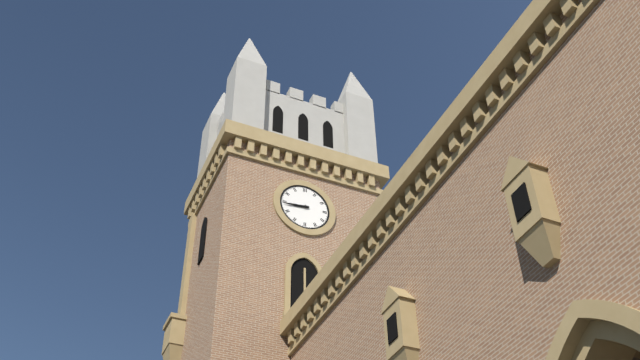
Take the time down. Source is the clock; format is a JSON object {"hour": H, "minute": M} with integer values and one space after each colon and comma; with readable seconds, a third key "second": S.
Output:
{"hour": 8, "minute": 44}
